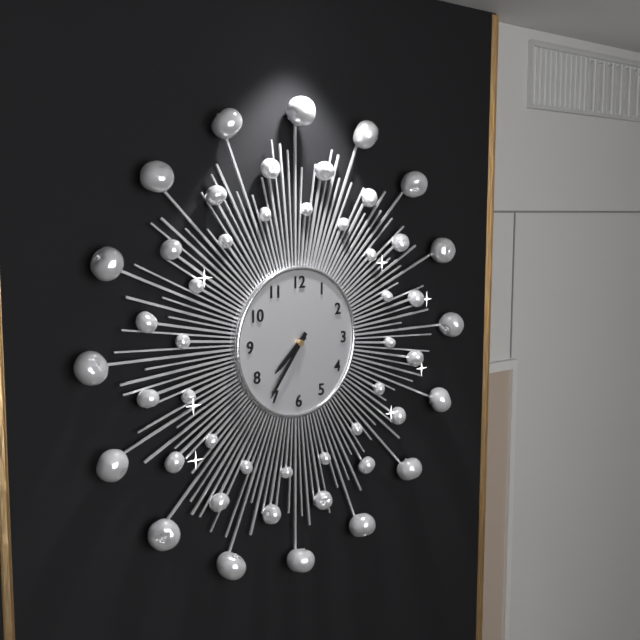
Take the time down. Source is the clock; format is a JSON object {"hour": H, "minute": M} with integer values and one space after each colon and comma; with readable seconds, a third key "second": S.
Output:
{"hour": 7, "minute": 36}
